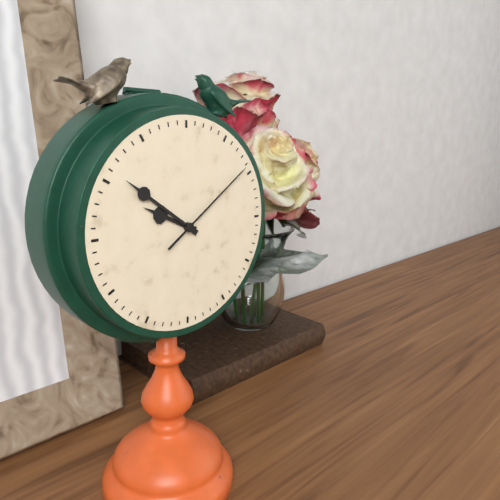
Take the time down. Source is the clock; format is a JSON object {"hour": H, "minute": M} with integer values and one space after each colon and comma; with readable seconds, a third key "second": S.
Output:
{"hour": 9, "minute": 51, "second": 9}
